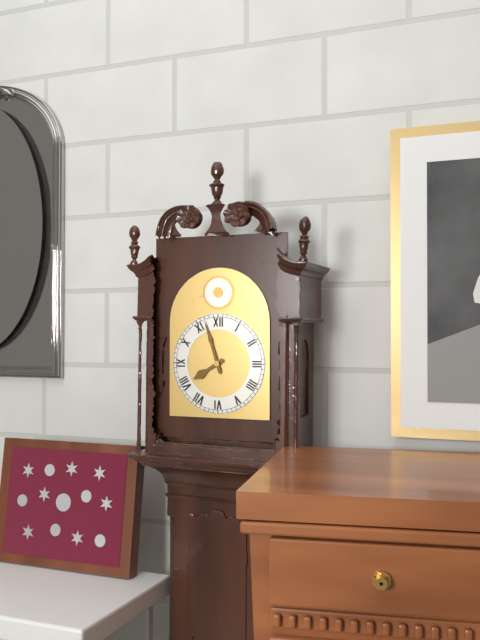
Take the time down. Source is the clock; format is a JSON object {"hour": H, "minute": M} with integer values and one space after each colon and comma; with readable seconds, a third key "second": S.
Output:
{"hour": 7, "minute": 57}
